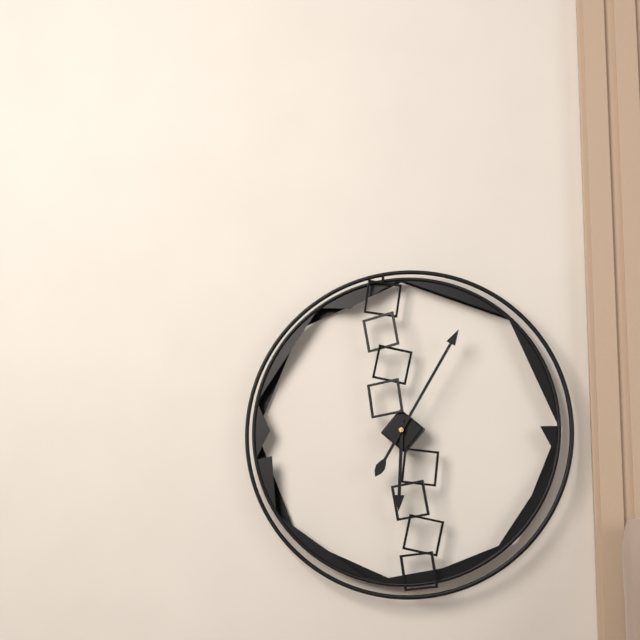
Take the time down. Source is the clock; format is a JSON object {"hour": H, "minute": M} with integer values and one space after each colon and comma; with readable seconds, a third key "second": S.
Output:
{"hour": 6, "minute": 5}
